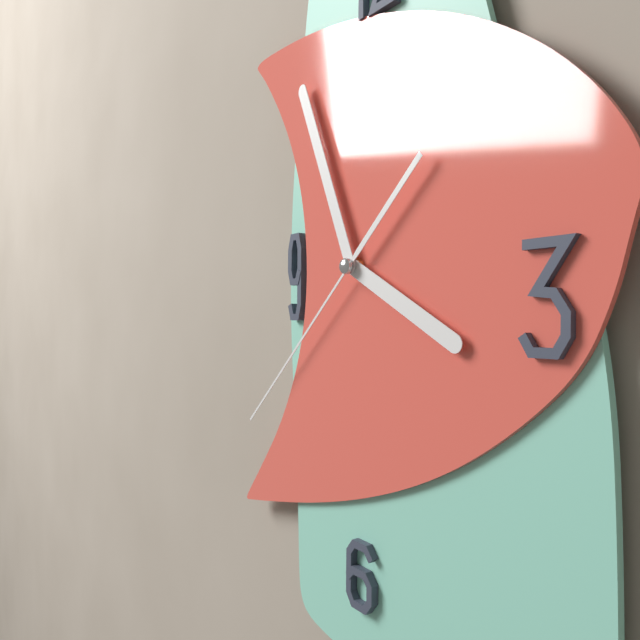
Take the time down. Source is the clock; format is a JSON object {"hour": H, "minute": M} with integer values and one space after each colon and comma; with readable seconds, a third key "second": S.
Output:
{"hour": 3, "minute": 56, "second": 38}
